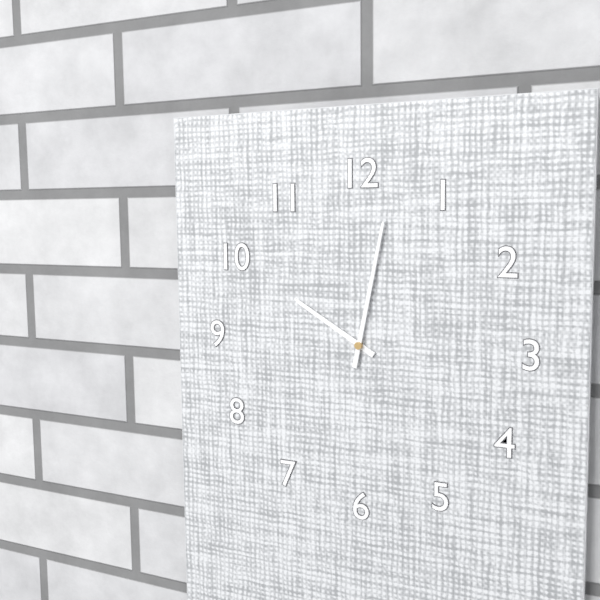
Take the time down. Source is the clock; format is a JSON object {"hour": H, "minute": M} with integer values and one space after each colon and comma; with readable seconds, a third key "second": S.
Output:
{"hour": 10, "minute": 2}
